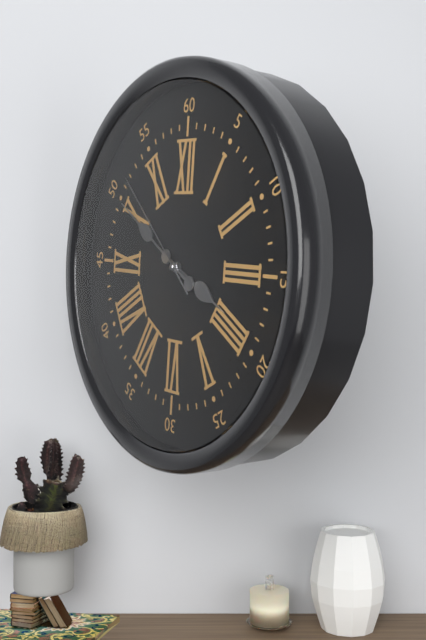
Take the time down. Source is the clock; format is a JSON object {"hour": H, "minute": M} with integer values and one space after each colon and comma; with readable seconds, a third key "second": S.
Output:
{"hour": 3, "minute": 50, "second": 52}
